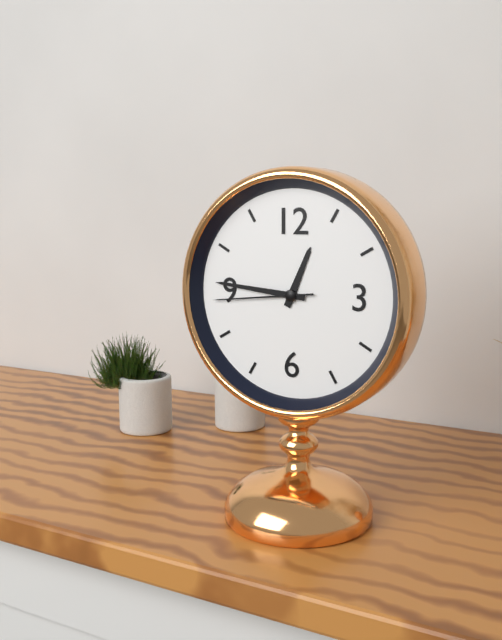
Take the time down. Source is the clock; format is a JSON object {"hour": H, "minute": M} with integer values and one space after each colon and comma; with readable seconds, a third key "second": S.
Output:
{"hour": 12, "minute": 46, "second": 44}
